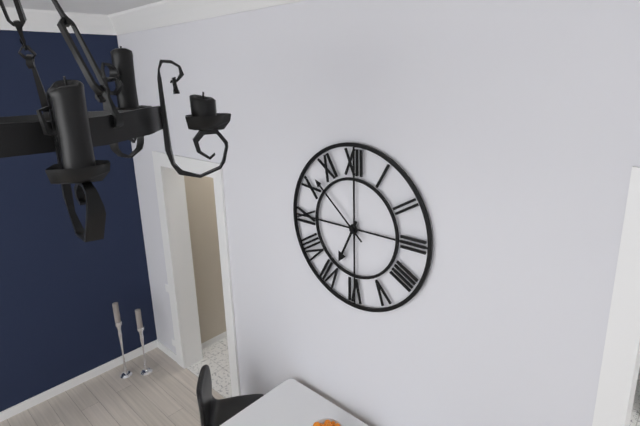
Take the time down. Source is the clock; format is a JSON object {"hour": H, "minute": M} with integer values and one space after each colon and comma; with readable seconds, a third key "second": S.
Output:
{"hour": 6, "minute": 52}
